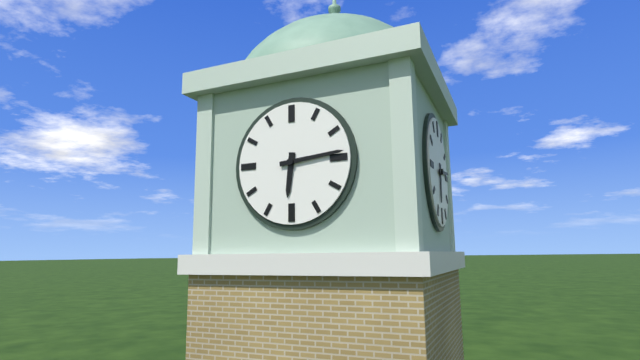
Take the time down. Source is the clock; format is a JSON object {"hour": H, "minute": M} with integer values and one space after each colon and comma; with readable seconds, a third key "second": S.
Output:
{"hour": 6, "minute": 14}
